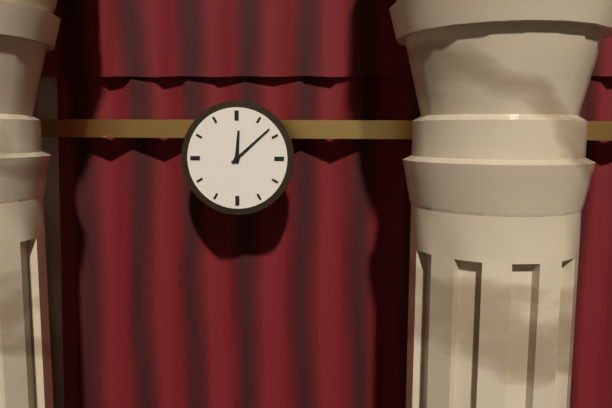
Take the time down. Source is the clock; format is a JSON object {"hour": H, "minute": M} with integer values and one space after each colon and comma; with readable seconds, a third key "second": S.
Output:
{"hour": 12, "minute": 8}
